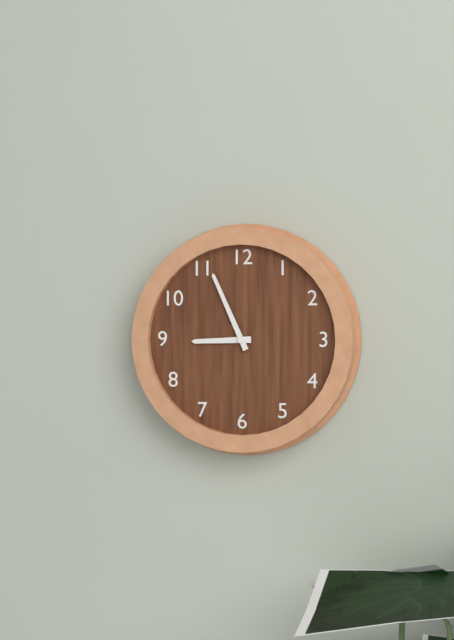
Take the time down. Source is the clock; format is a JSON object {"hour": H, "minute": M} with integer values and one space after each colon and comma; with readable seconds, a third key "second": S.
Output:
{"hour": 8, "minute": 56}
